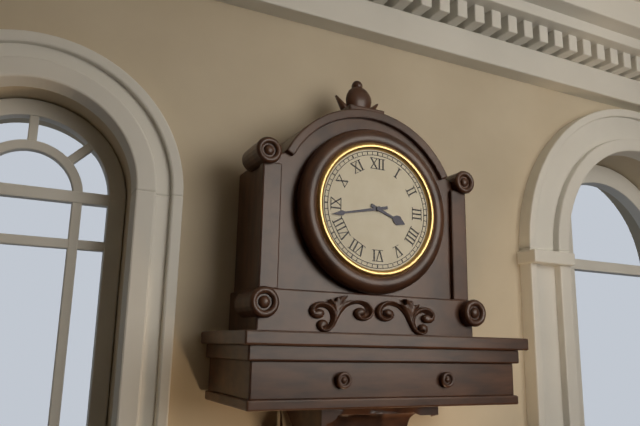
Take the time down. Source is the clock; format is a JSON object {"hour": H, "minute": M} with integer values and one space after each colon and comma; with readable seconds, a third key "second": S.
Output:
{"hour": 3, "minute": 43}
